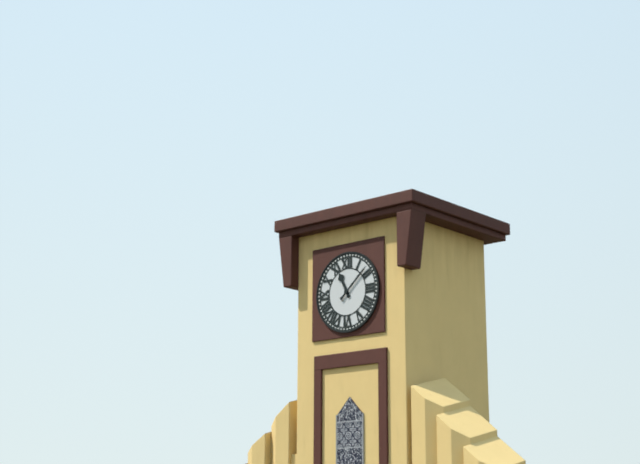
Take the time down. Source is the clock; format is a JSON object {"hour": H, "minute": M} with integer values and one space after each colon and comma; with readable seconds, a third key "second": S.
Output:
{"hour": 11, "minute": 8}
